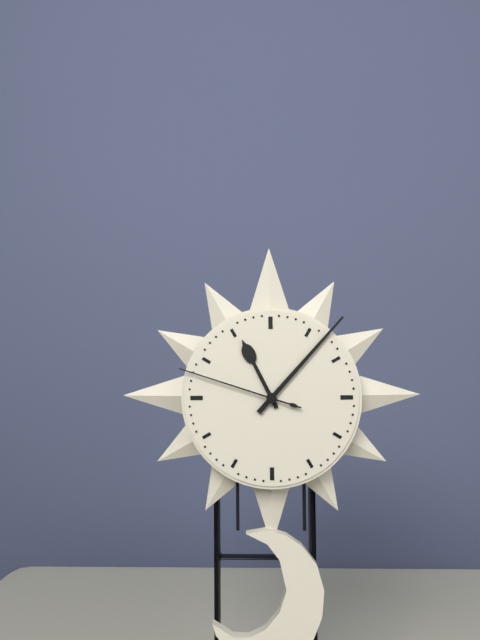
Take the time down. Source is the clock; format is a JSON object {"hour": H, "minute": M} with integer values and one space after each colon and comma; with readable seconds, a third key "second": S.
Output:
{"hour": 11, "minute": 7, "second": 48}
